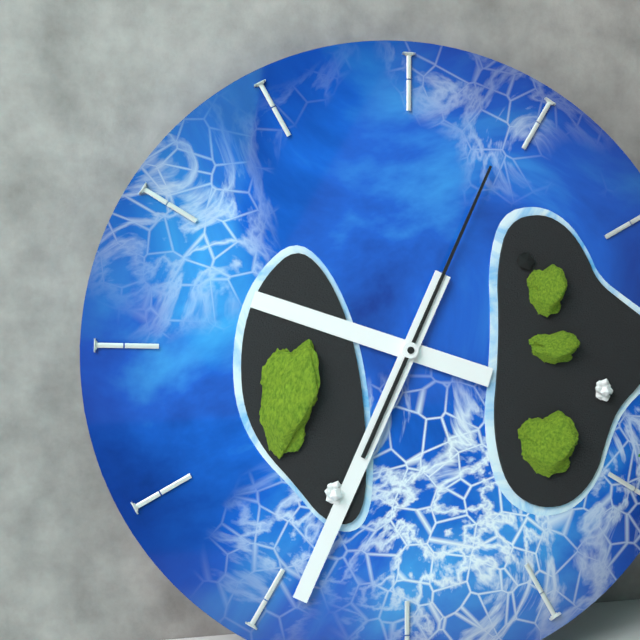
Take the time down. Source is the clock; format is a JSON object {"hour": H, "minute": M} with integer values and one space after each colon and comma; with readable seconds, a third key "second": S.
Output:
{"hour": 9, "minute": 34, "second": 4}
